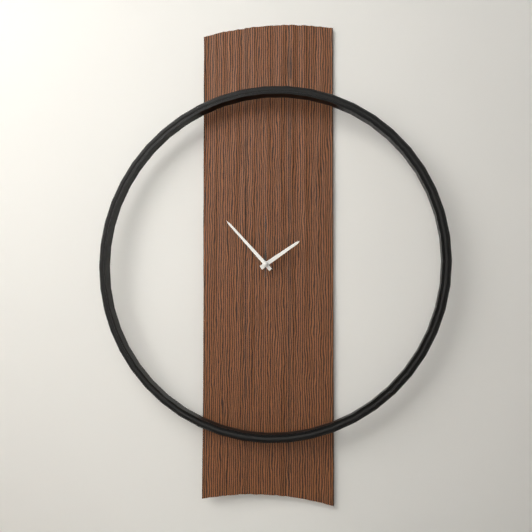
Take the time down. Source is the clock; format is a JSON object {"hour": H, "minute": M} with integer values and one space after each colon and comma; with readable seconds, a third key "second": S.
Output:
{"hour": 1, "minute": 53, "second": 0}
